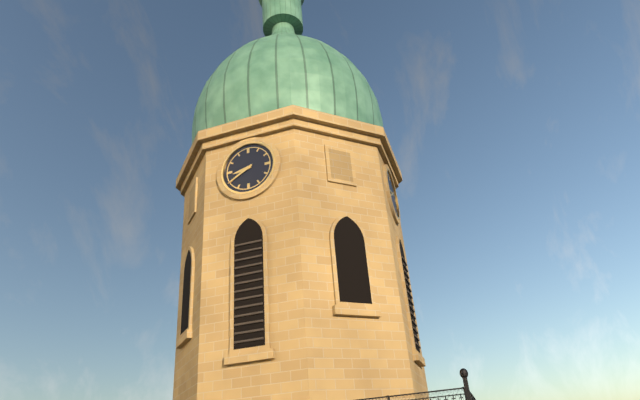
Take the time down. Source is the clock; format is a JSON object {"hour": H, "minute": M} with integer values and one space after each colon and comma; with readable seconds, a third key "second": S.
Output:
{"hour": 8, "minute": 40}
